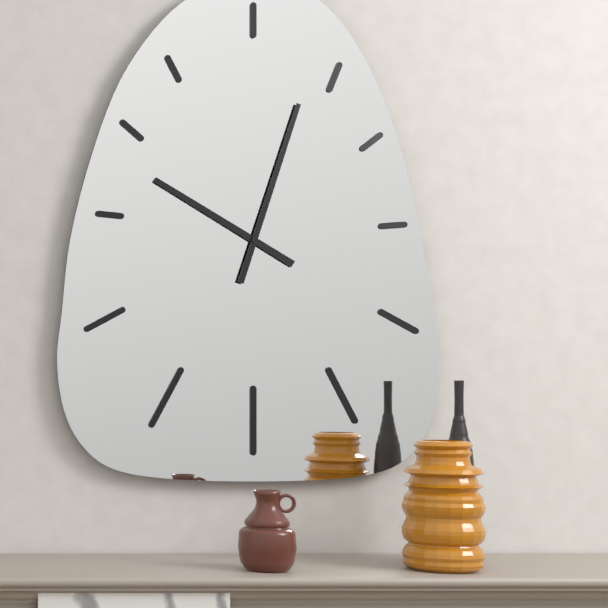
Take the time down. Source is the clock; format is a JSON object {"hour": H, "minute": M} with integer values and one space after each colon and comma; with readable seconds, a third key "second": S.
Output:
{"hour": 10, "minute": 3}
